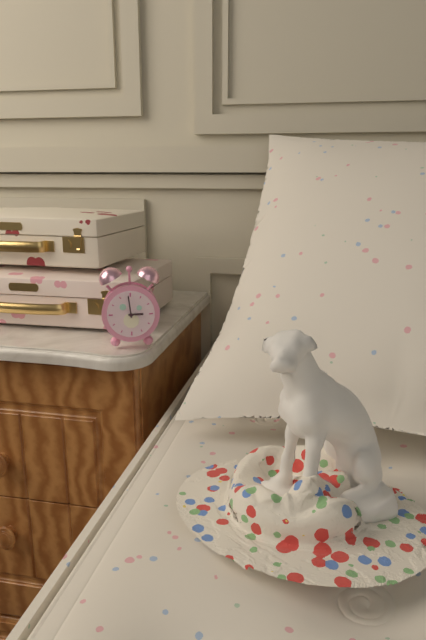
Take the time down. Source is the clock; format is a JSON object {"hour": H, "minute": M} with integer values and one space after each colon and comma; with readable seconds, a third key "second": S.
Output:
{"hour": 2, "minute": 59}
